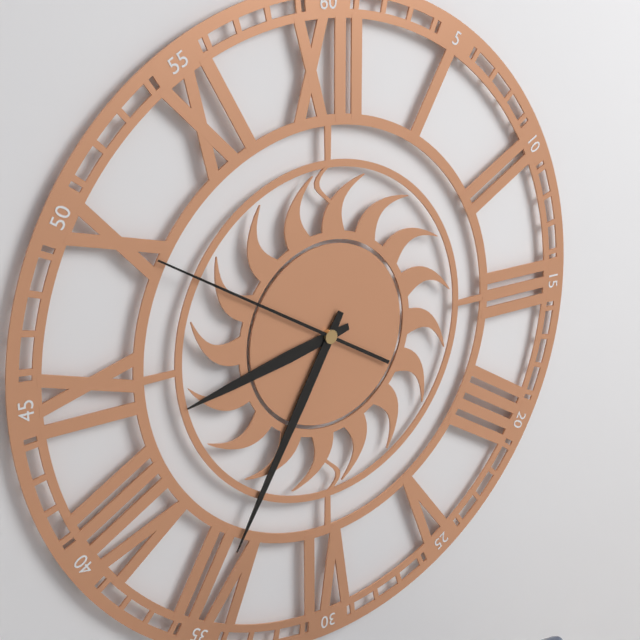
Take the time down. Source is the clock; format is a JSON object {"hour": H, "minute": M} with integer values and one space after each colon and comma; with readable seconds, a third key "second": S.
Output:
{"hour": 8, "minute": 35, "second": 50}
